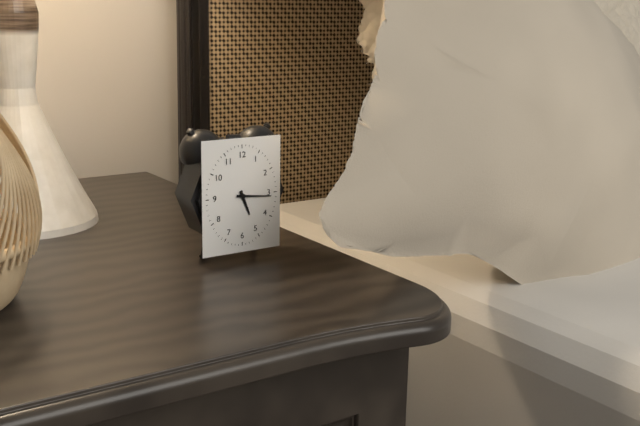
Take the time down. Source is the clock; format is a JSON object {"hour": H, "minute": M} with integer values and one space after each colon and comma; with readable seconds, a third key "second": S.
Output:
{"hour": 5, "minute": 16}
